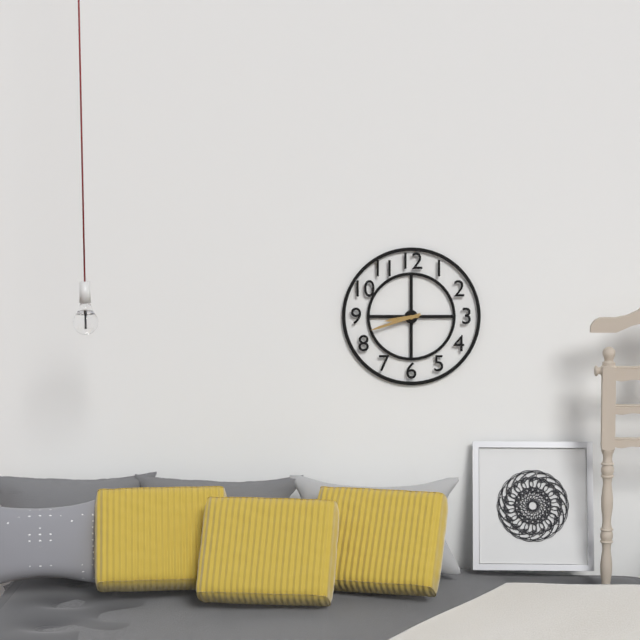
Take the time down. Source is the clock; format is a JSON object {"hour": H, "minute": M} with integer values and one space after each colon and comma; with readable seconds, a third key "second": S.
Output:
{"hour": 8, "minute": 42}
